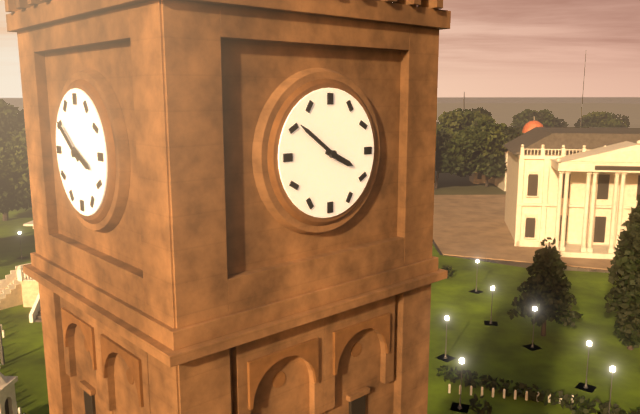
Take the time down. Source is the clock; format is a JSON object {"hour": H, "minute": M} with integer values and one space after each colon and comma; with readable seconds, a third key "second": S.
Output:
{"hour": 3, "minute": 51}
